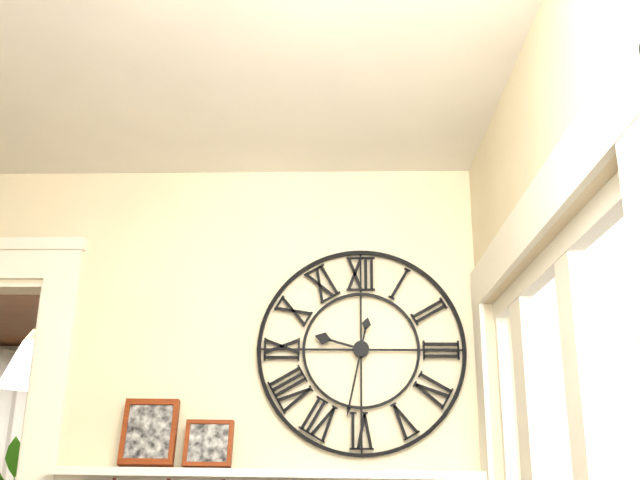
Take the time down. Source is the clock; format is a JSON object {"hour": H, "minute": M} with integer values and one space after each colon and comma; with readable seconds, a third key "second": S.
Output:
{"hour": 9, "minute": 32}
